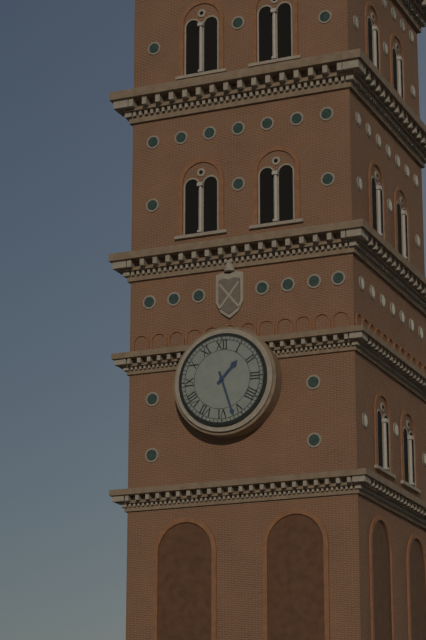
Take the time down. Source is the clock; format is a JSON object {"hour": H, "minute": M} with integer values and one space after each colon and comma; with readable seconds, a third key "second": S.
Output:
{"hour": 1, "minute": 27}
